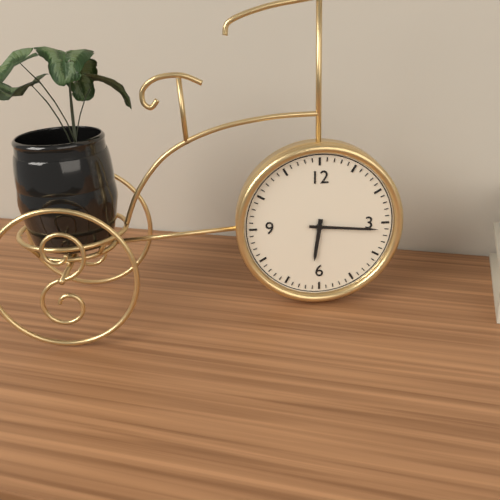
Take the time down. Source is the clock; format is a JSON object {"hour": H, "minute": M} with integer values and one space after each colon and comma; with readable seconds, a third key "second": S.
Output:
{"hour": 6, "minute": 16}
